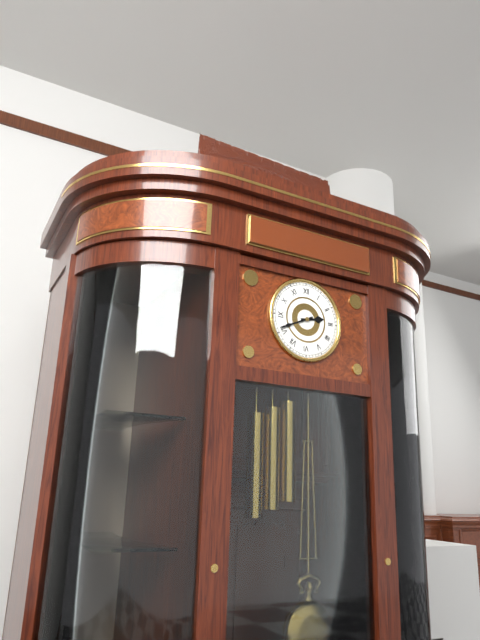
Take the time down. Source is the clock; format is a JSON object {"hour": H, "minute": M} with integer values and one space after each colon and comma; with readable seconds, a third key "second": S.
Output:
{"hour": 2, "minute": 41}
